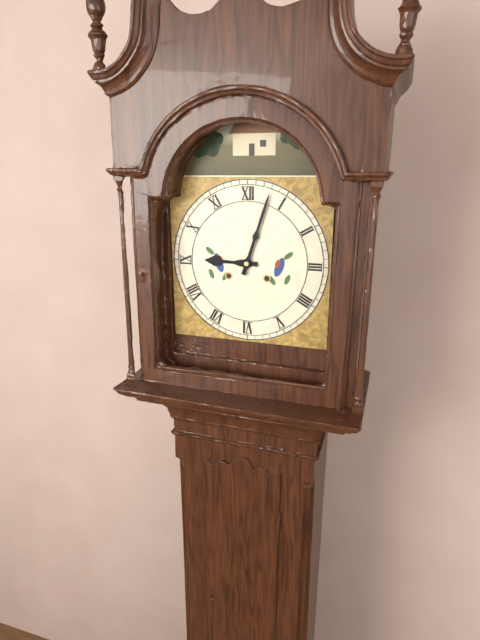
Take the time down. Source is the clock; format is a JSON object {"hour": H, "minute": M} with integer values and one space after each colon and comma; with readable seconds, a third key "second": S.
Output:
{"hour": 9, "minute": 3}
